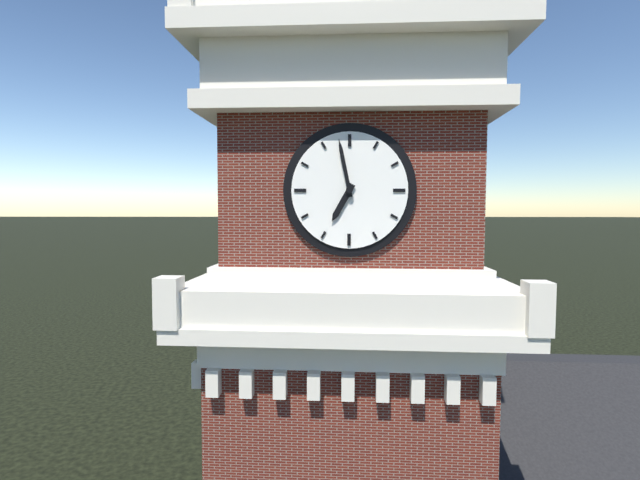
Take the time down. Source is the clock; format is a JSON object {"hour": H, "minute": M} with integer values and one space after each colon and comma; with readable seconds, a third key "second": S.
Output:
{"hour": 6, "minute": 58}
